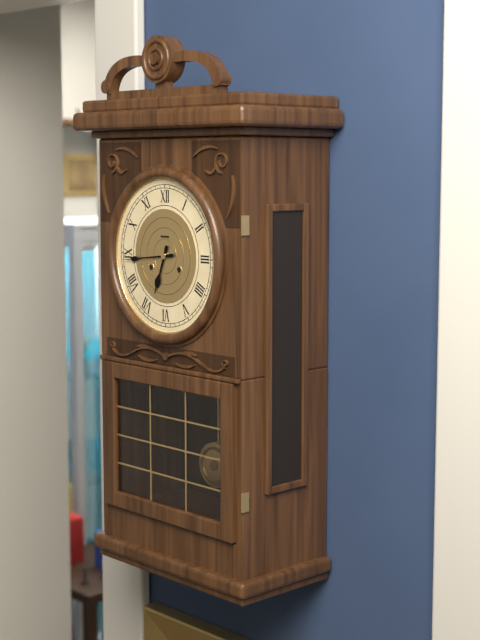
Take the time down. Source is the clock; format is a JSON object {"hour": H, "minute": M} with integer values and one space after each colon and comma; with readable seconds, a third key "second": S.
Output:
{"hour": 6, "minute": 44}
